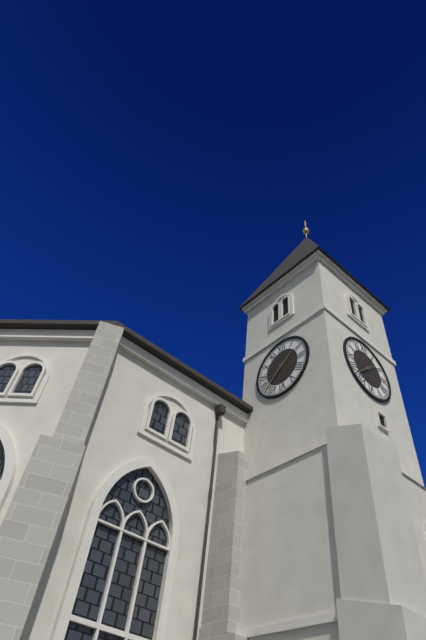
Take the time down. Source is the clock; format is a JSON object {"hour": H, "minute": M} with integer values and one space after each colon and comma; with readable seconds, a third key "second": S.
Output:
{"hour": 1, "minute": 38}
